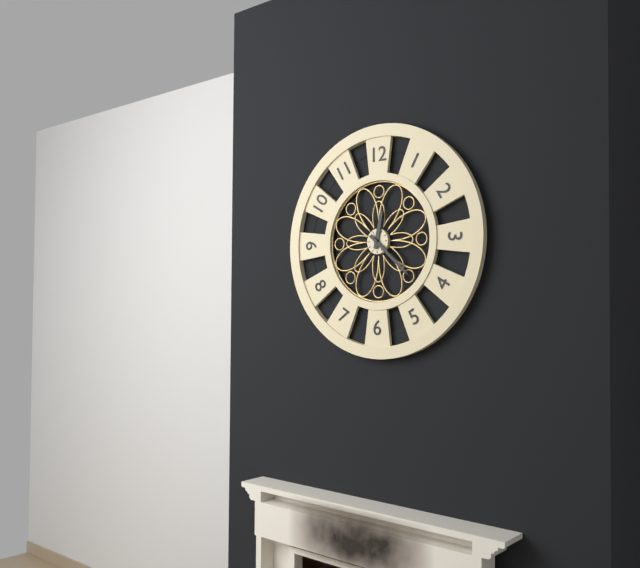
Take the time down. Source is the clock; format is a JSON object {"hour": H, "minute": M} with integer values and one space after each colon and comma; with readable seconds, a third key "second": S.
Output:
{"hour": 12, "minute": 22}
